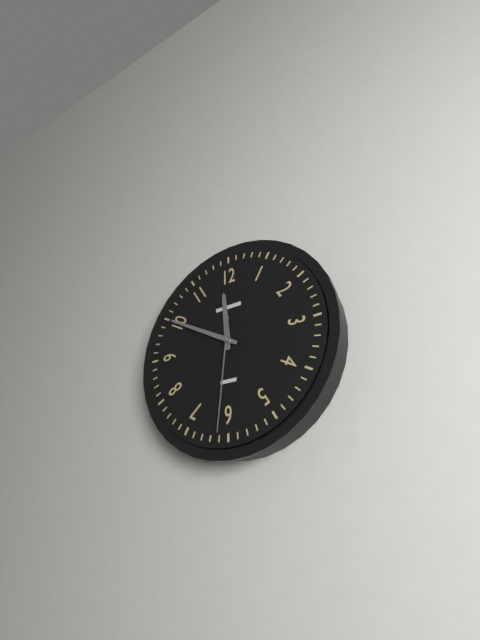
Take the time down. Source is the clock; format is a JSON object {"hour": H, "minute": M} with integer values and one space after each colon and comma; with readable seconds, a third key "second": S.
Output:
{"hour": 11, "minute": 50, "second": 31}
